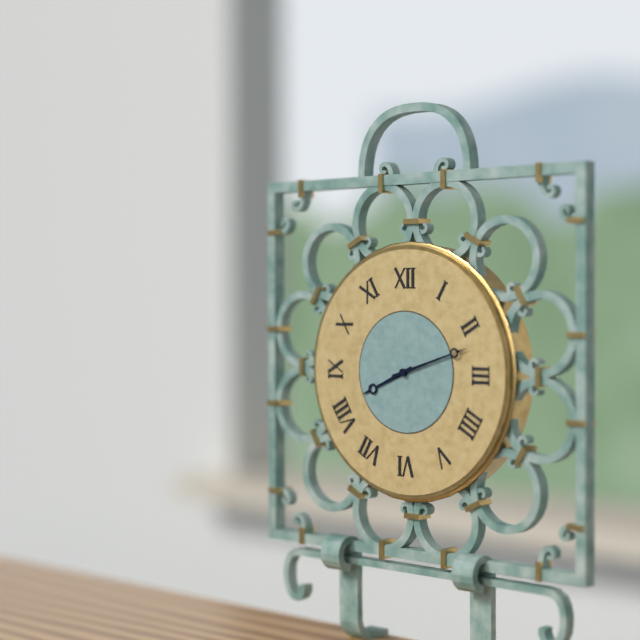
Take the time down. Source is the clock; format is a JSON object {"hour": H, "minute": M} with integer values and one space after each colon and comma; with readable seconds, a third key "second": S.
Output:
{"hour": 8, "minute": 12}
